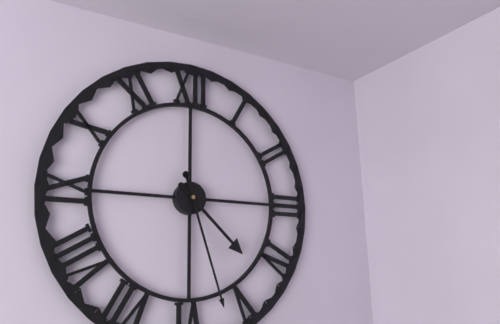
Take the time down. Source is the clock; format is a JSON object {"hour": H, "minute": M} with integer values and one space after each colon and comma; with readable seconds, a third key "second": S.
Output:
{"hour": 4, "minute": 27}
